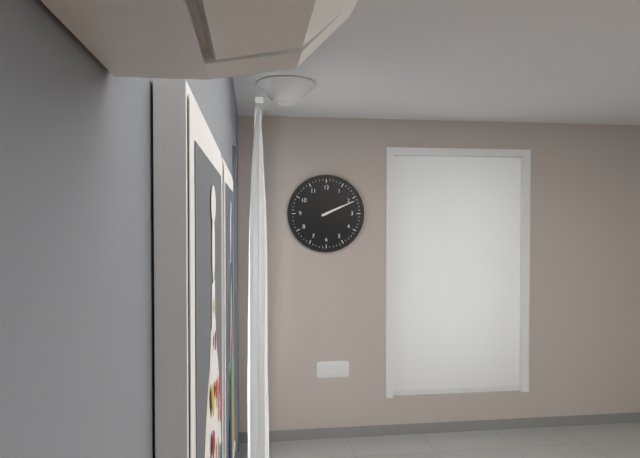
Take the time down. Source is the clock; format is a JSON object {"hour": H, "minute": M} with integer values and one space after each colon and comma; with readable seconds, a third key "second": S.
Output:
{"hour": 2, "minute": 11}
